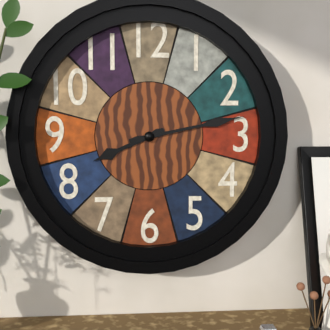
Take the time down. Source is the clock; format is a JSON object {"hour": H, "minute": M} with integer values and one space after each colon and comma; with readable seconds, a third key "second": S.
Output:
{"hour": 8, "minute": 13}
